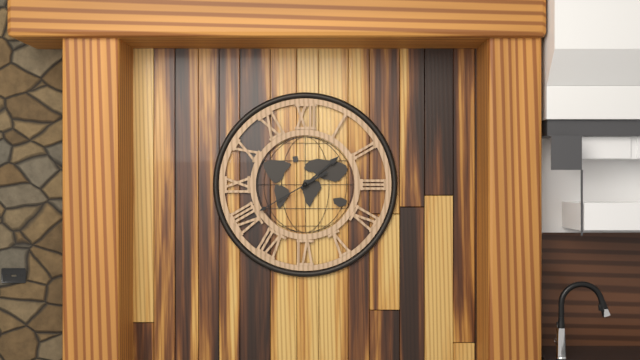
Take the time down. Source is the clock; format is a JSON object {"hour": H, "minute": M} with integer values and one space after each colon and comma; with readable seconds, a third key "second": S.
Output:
{"hour": 1, "minute": 40}
